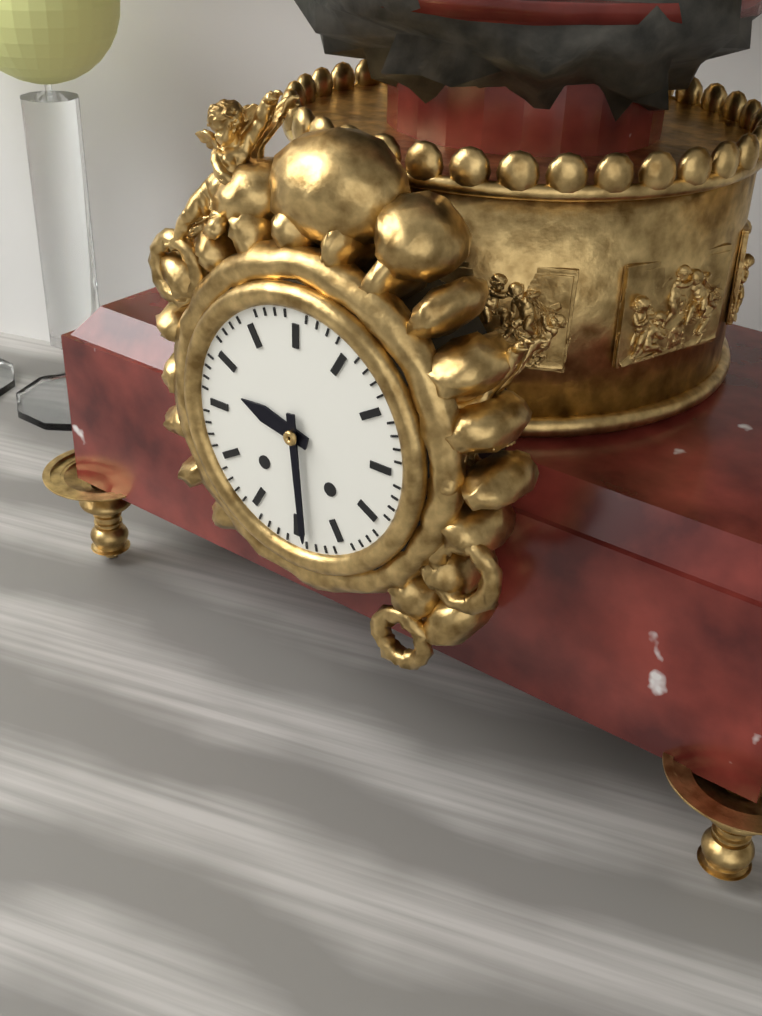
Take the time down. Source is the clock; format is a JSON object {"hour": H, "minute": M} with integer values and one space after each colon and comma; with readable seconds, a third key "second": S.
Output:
{"hour": 9, "minute": 29}
